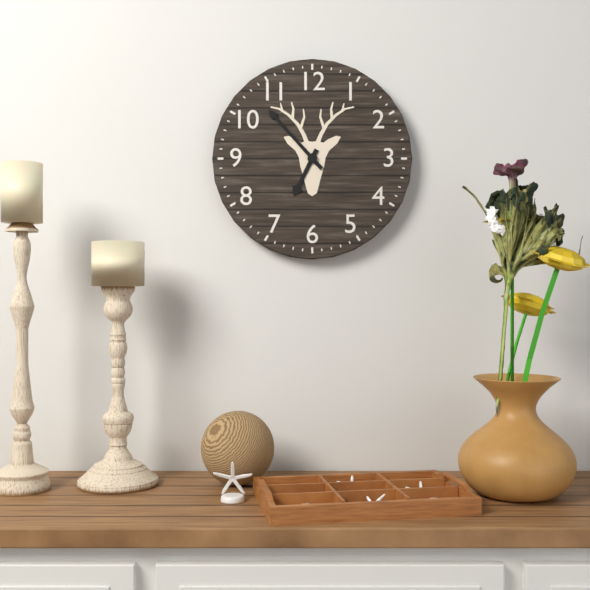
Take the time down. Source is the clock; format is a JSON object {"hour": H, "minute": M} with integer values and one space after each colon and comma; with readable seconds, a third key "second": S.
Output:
{"hour": 6, "minute": 53}
